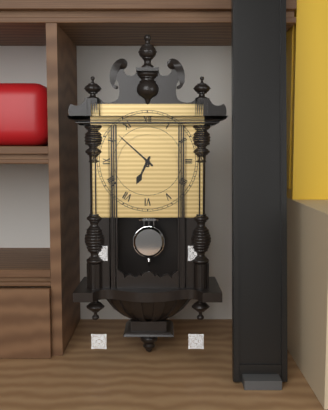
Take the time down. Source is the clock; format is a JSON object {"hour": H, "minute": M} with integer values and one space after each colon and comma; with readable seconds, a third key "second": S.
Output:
{"hour": 6, "minute": 52}
